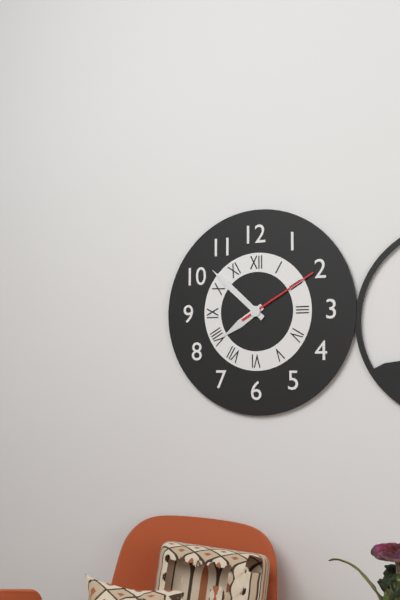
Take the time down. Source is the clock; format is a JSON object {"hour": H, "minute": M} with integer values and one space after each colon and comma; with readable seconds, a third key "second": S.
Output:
{"hour": 7, "minute": 52, "second": 10}
